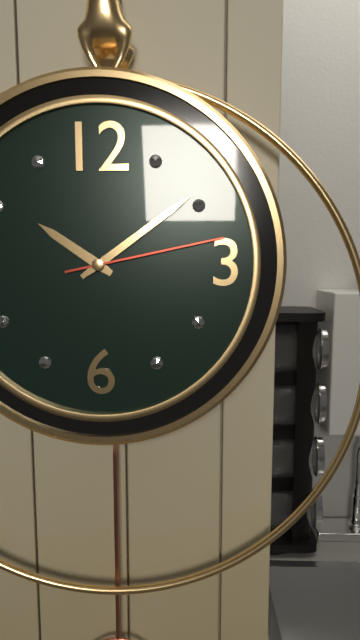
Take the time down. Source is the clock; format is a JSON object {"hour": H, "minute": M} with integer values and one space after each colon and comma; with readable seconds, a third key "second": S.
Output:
{"hour": 10, "minute": 9, "second": 13}
